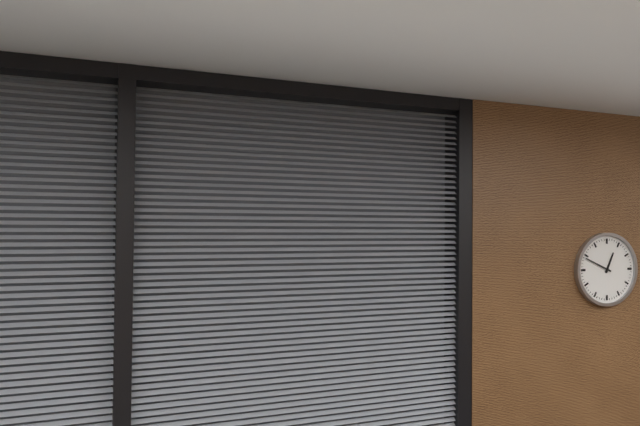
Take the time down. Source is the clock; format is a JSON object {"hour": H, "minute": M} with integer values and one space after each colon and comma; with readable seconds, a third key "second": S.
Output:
{"hour": 12, "minute": 49}
